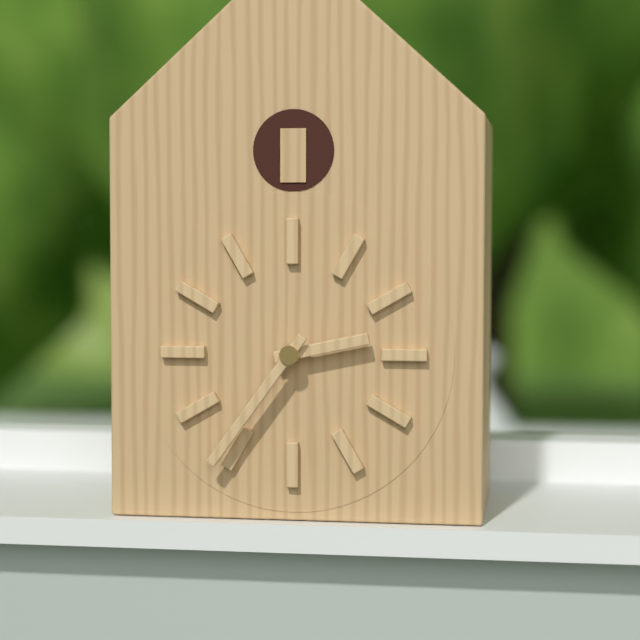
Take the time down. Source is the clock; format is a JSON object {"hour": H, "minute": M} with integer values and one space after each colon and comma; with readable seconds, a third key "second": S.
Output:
{"hour": 2, "minute": 36}
